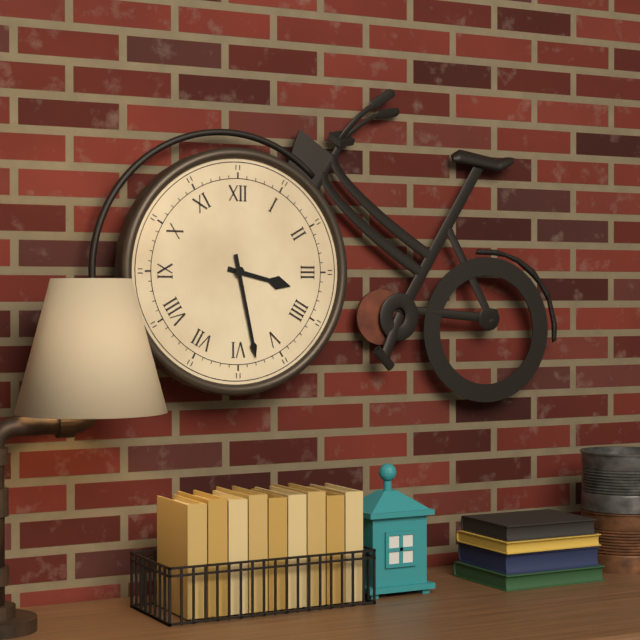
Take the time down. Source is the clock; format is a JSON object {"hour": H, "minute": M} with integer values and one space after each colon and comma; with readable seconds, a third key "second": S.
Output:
{"hour": 3, "minute": 28}
